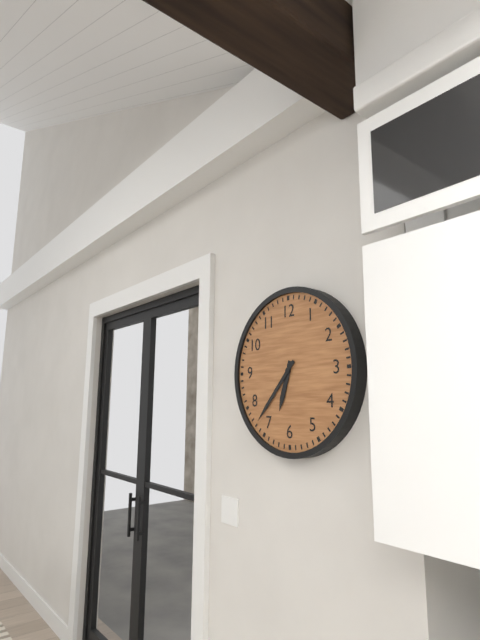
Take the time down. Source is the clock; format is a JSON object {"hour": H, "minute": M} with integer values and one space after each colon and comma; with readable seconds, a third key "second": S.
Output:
{"hour": 6, "minute": 37}
